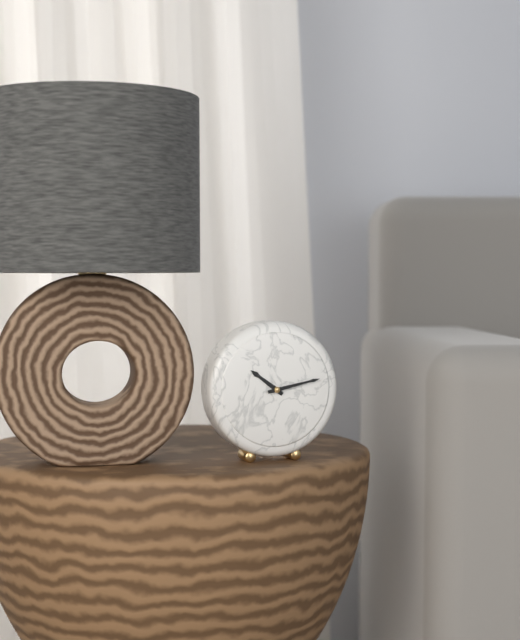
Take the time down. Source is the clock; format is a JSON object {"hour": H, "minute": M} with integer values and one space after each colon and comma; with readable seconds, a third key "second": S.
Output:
{"hour": 10, "minute": 13}
